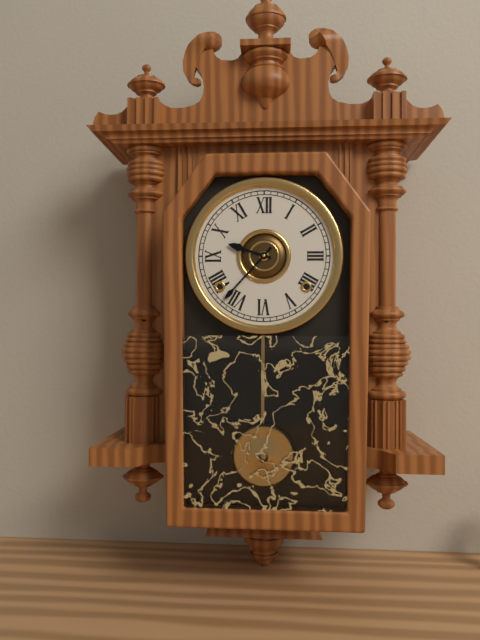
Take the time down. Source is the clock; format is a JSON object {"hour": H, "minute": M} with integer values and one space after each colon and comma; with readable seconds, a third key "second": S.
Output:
{"hour": 9, "minute": 37}
